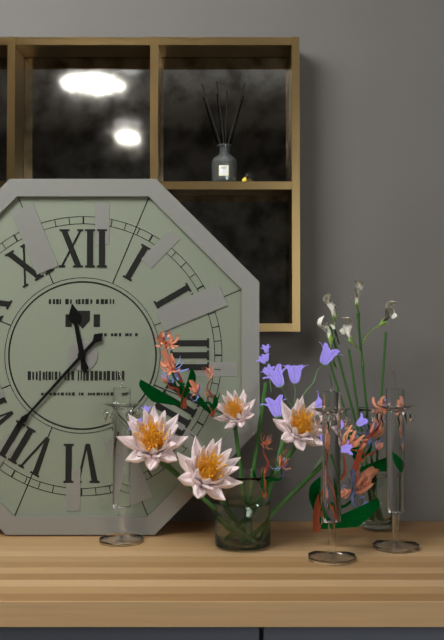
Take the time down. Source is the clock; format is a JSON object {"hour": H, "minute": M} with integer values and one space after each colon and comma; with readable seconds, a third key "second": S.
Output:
{"hour": 11, "minute": 37}
